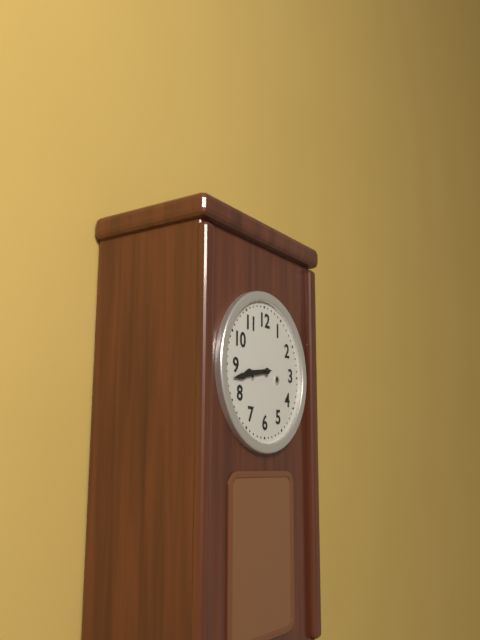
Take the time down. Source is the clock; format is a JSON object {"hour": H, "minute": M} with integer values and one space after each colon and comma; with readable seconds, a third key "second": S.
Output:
{"hour": 8, "minute": 43}
